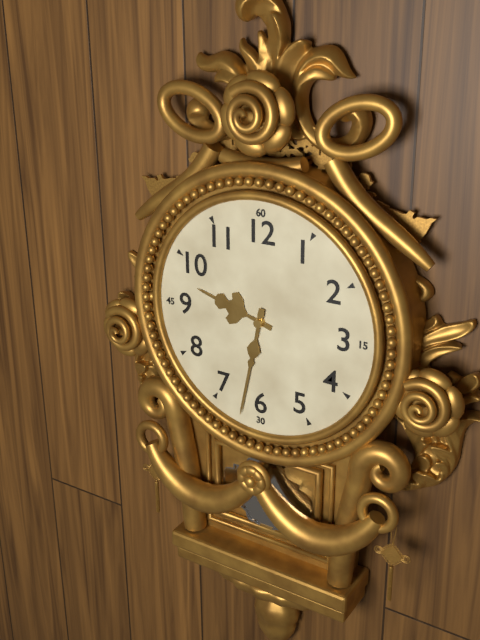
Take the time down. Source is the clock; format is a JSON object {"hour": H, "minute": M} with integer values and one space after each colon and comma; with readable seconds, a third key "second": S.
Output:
{"hour": 9, "minute": 32}
